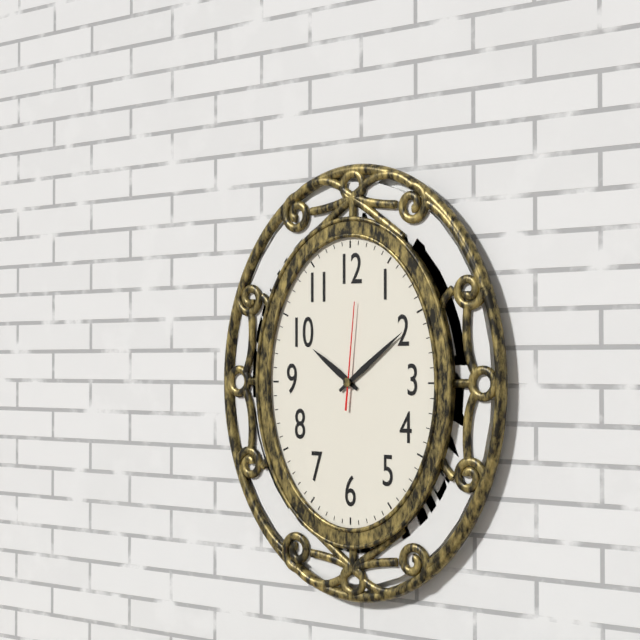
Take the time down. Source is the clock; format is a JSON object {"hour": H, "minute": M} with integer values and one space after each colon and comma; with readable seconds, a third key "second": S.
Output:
{"hour": 10, "minute": 9, "second": 1}
